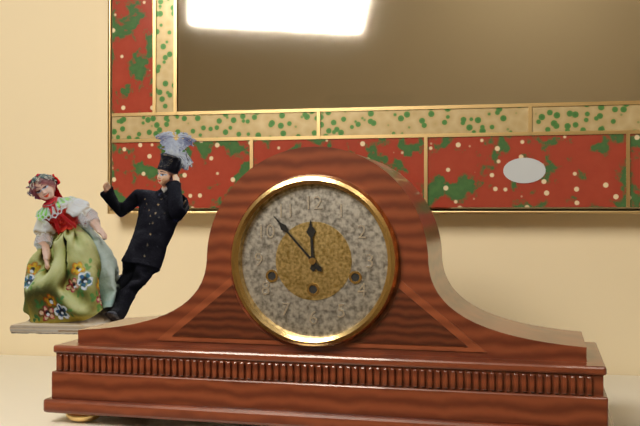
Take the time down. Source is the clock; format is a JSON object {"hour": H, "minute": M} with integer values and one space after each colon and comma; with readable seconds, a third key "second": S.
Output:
{"hour": 11, "minute": 53}
